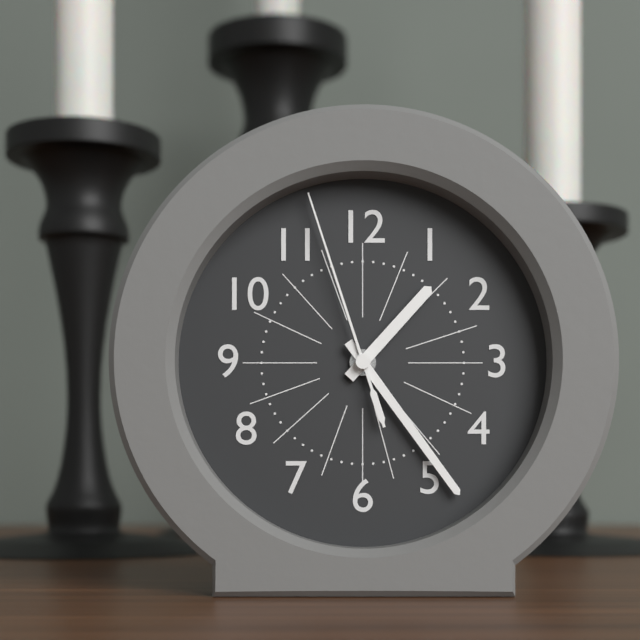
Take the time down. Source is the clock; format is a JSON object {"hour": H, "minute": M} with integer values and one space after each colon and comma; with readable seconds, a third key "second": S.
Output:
{"hour": 1, "minute": 24, "second": 57}
